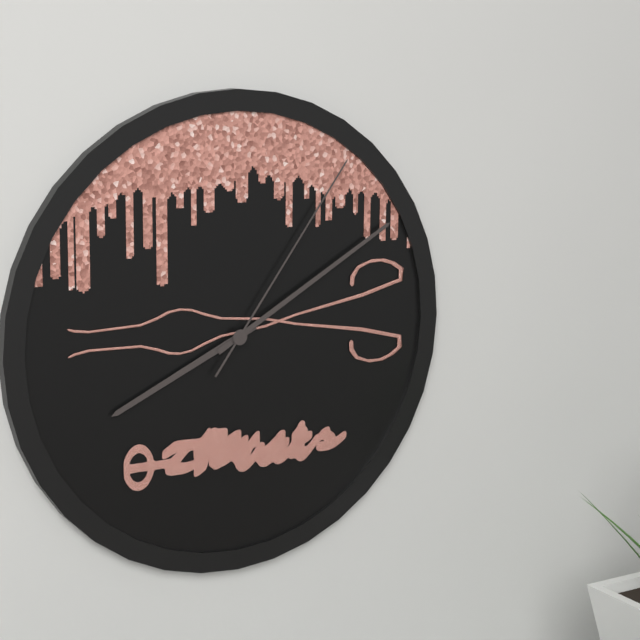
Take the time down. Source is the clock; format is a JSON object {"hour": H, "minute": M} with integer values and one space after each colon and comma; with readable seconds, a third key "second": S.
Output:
{"hour": 8, "minute": 10, "second": 6}
